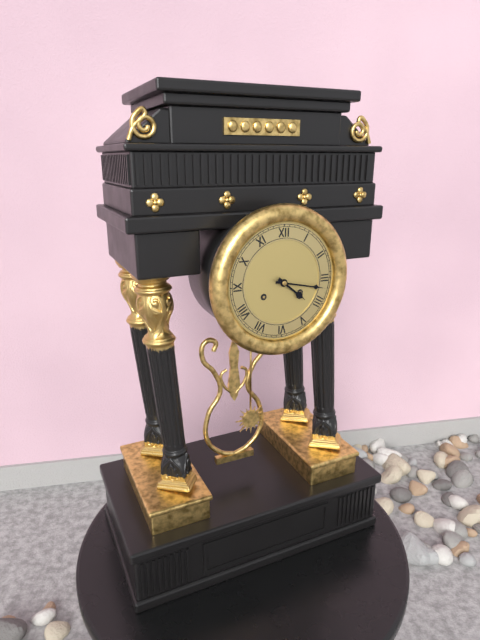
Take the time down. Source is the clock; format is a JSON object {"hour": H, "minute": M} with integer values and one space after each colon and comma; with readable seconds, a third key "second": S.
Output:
{"hour": 4, "minute": 17}
